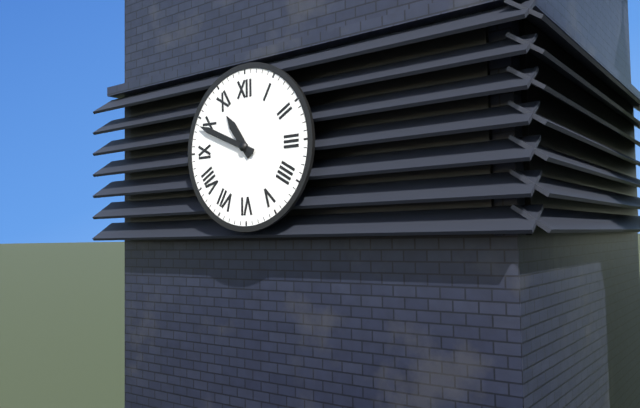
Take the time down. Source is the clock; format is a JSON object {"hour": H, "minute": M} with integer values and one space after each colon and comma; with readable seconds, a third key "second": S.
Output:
{"hour": 10, "minute": 49}
